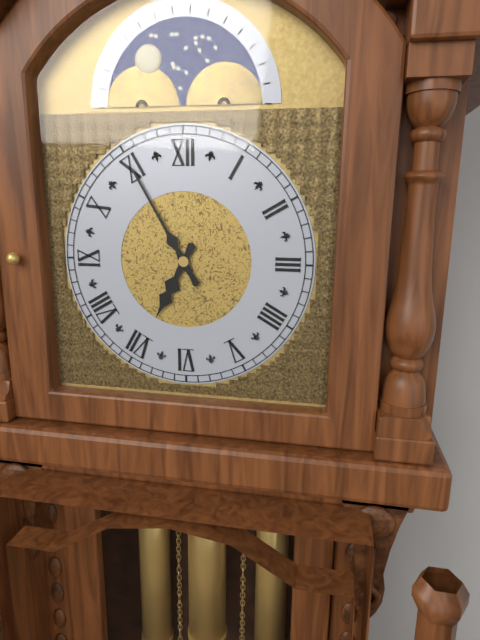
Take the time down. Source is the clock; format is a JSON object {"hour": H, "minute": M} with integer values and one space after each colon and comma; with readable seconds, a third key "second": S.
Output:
{"hour": 6, "minute": 55}
